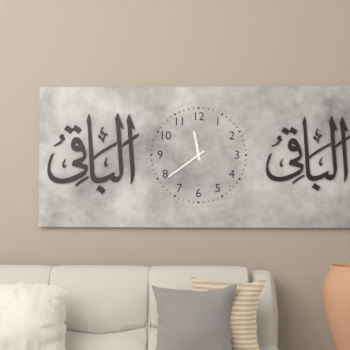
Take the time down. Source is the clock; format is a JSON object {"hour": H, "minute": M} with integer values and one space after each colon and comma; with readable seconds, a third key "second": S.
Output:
{"hour": 11, "minute": 39}
